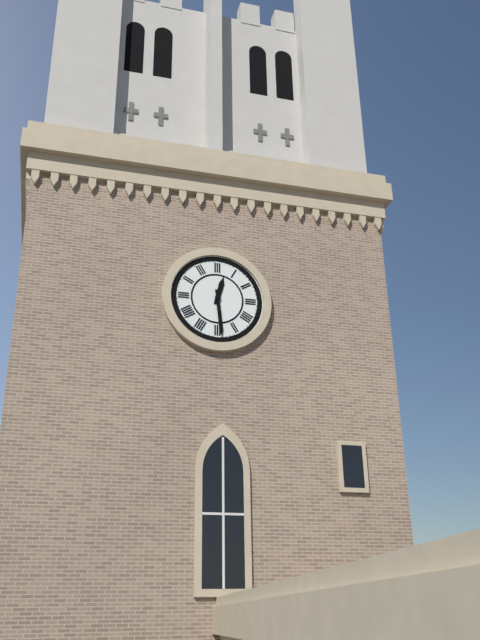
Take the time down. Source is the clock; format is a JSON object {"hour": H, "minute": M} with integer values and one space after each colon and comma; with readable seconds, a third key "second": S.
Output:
{"hour": 12, "minute": 29}
